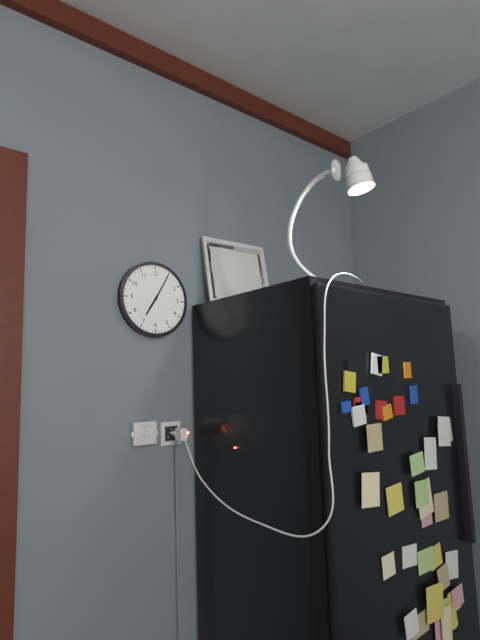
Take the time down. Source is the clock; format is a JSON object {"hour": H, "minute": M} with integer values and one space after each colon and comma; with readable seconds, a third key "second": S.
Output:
{"hour": 7, "minute": 5}
